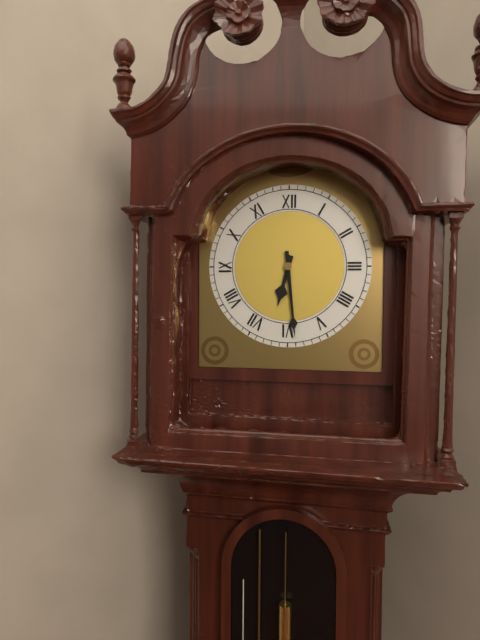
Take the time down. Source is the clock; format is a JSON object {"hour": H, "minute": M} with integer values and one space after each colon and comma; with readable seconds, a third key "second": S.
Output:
{"hour": 6, "minute": 29}
